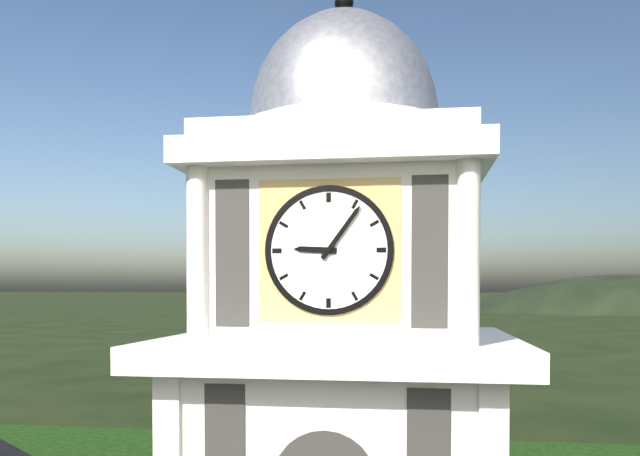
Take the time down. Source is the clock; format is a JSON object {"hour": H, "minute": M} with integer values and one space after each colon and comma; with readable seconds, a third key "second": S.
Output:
{"hour": 9, "minute": 6}
